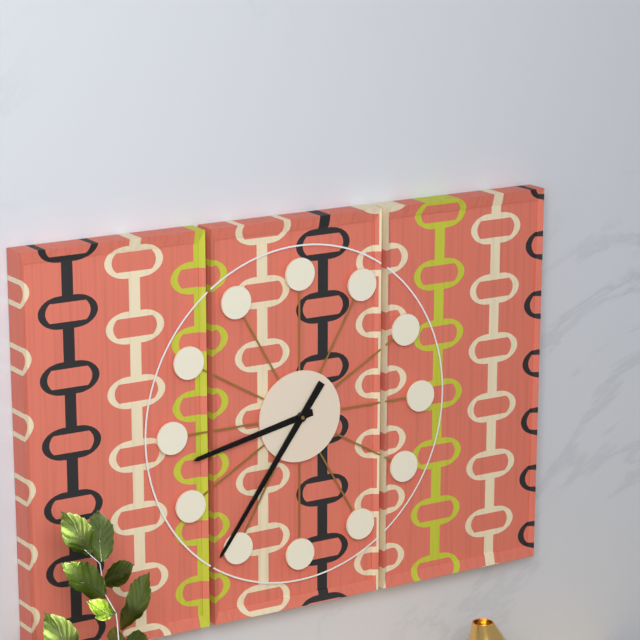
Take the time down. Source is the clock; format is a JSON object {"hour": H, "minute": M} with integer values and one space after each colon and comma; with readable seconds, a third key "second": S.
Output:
{"hour": 8, "minute": 36}
